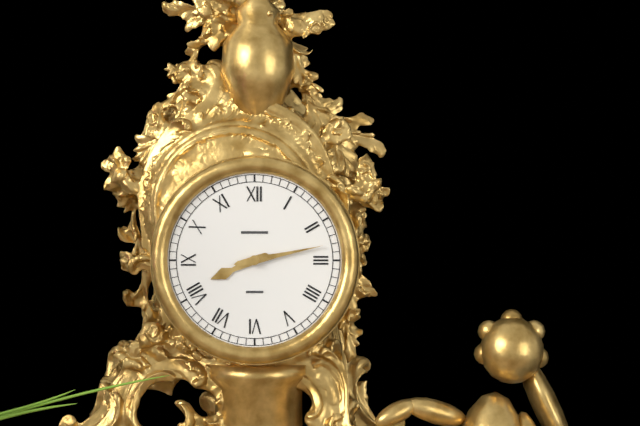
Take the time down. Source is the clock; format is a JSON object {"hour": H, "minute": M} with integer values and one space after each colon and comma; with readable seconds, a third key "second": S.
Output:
{"hour": 8, "minute": 13}
